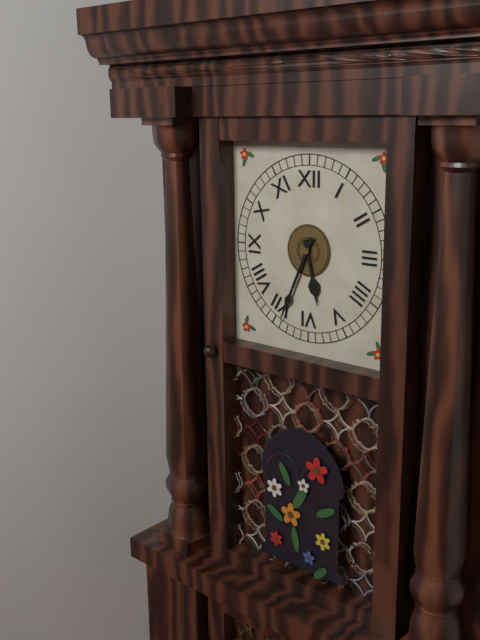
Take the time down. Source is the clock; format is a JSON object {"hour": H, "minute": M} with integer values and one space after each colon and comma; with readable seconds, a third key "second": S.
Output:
{"hour": 5, "minute": 34}
